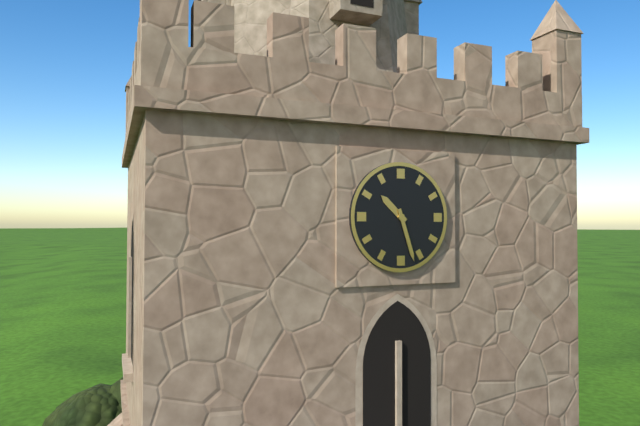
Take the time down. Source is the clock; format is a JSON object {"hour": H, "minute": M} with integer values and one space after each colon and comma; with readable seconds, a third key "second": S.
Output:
{"hour": 10, "minute": 27}
